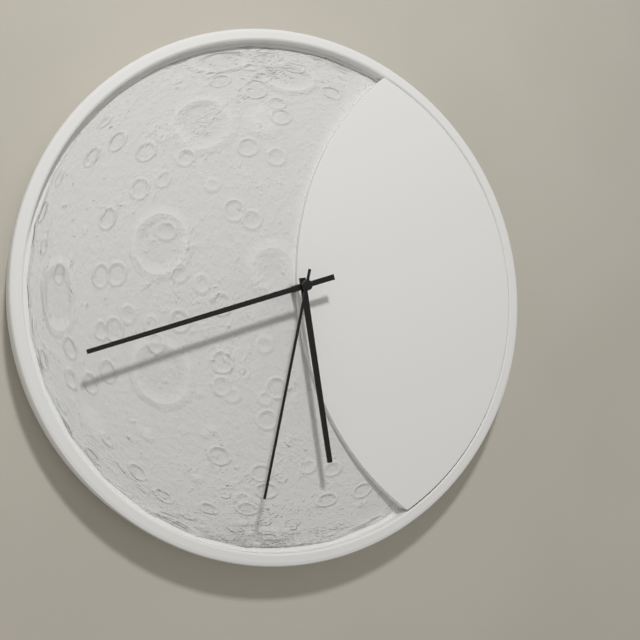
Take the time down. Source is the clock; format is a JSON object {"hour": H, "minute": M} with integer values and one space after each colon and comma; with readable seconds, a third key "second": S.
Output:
{"hour": 5, "minute": 42, "second": 32}
